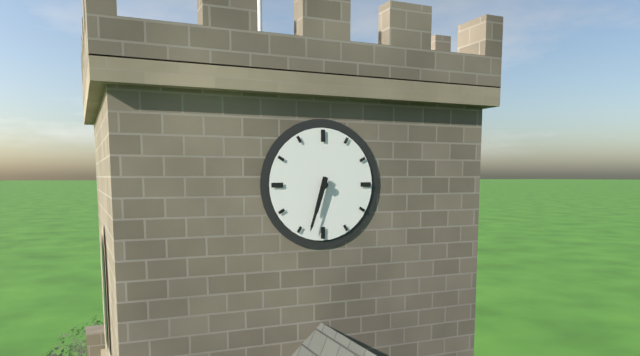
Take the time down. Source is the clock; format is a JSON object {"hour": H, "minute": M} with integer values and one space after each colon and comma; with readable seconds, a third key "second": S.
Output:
{"hour": 6, "minute": 33}
